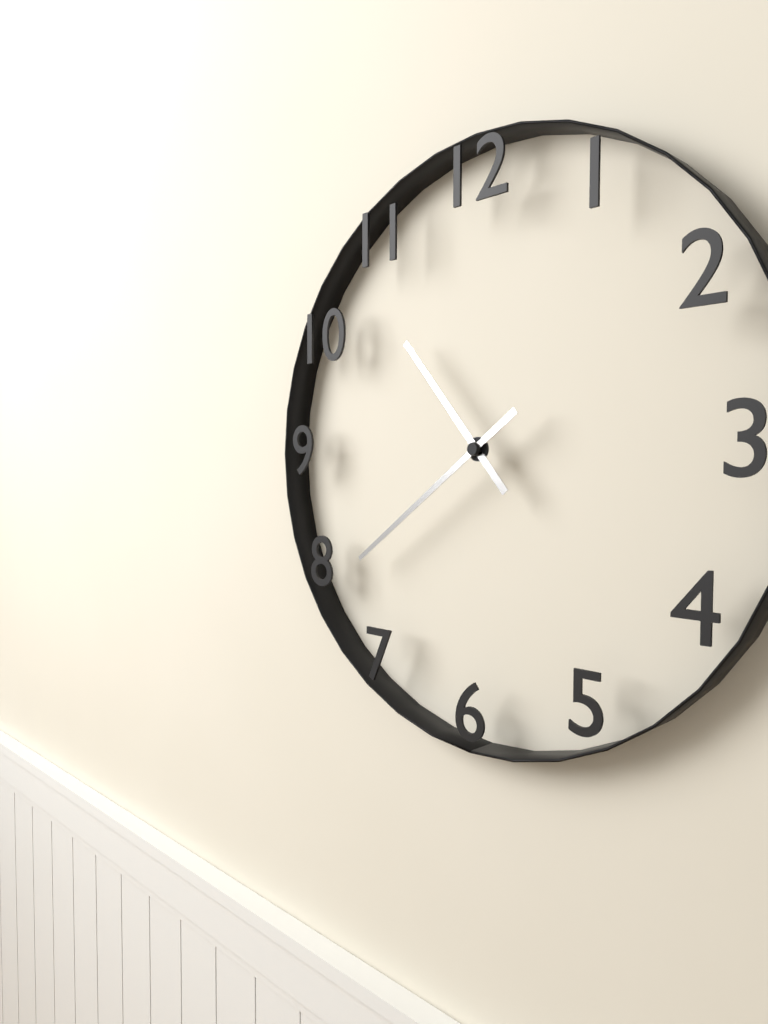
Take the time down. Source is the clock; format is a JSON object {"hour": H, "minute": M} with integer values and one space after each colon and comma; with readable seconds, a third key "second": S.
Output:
{"hour": 10, "minute": 39}
